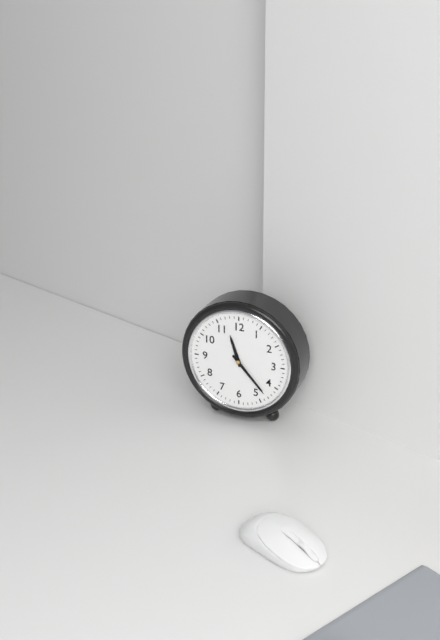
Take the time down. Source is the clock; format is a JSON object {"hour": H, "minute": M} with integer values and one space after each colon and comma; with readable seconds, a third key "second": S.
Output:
{"hour": 11, "minute": 23}
